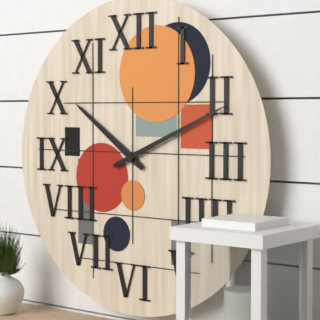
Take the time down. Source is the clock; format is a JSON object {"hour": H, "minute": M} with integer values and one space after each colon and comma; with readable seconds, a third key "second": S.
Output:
{"hour": 10, "minute": 11}
